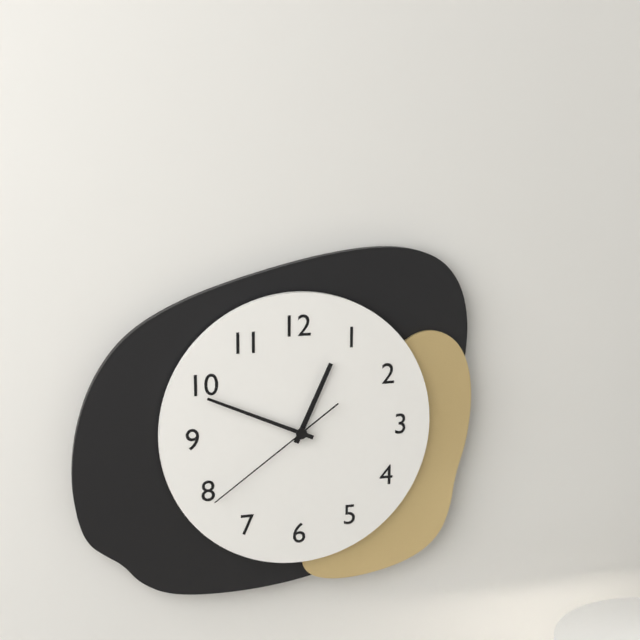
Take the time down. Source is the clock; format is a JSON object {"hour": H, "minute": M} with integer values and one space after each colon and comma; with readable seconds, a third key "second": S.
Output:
{"hour": 12, "minute": 49, "second": 39}
